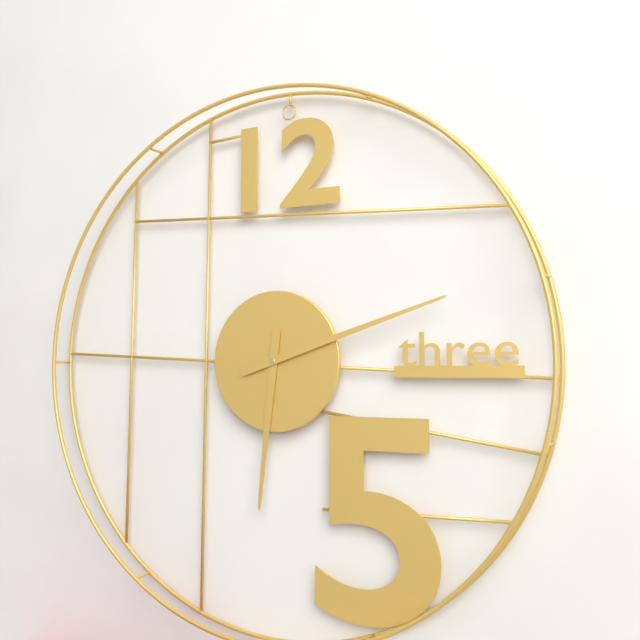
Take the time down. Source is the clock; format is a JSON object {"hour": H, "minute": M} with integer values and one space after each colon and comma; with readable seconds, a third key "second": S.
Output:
{"hour": 6, "minute": 12}
